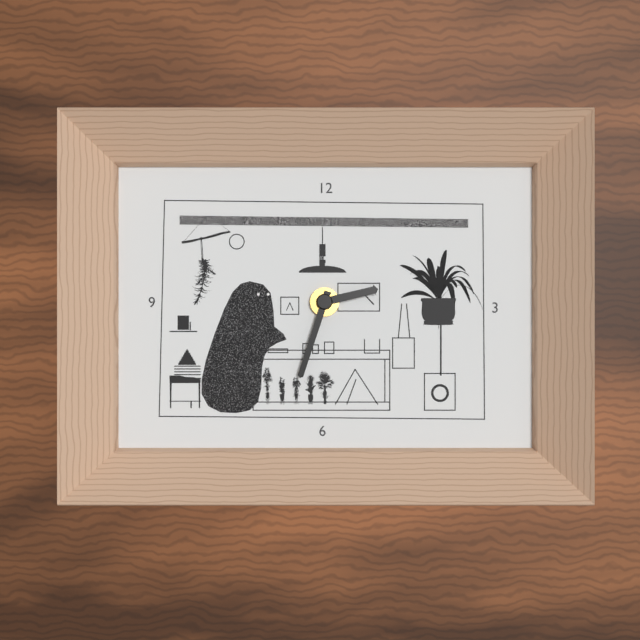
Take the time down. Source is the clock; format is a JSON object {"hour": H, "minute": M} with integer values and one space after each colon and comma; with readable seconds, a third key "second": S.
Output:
{"hour": 2, "minute": 33}
